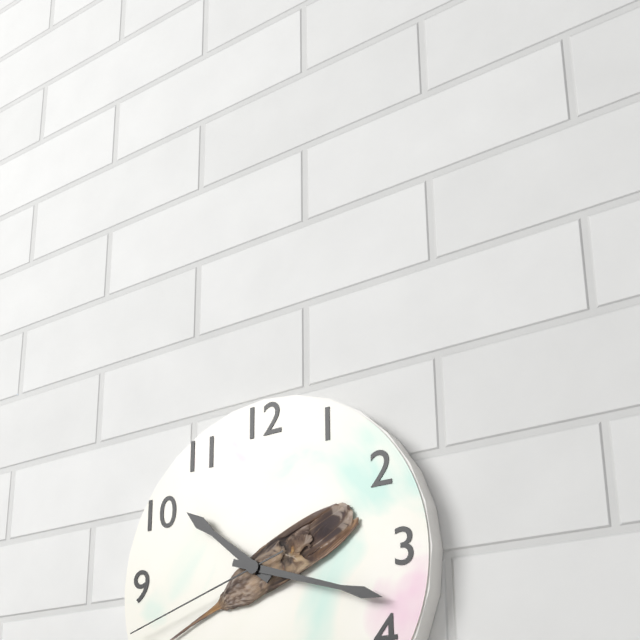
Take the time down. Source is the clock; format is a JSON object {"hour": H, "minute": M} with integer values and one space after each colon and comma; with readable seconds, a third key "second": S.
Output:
{"hour": 10, "minute": 18, "second": 42}
